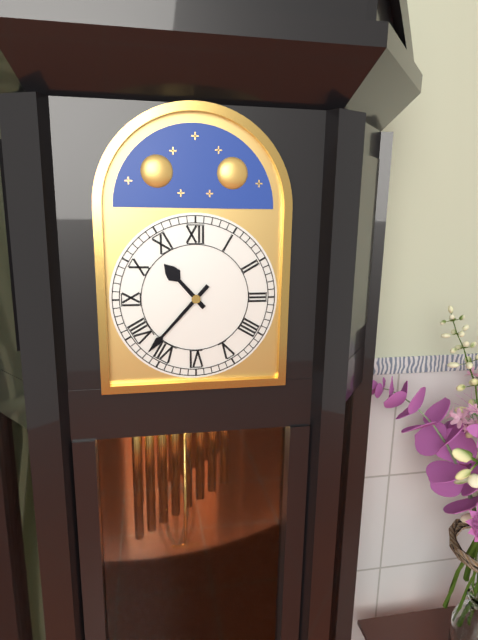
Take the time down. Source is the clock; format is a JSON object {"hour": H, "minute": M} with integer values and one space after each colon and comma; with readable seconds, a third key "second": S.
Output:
{"hour": 10, "minute": 37}
